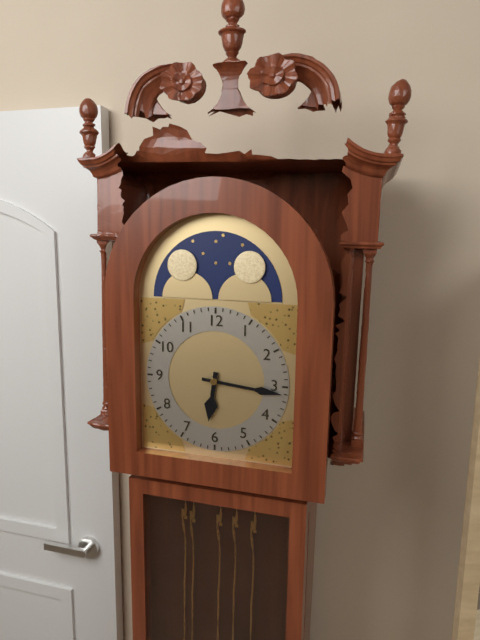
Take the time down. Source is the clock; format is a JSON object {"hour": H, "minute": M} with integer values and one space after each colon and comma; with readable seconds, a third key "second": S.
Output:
{"hour": 6, "minute": 16}
